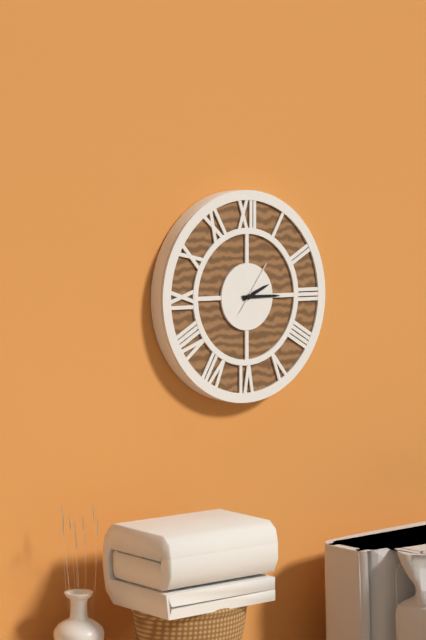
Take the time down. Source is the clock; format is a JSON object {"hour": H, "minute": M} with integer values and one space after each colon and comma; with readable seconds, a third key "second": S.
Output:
{"hour": 2, "minute": 15, "second": 6}
